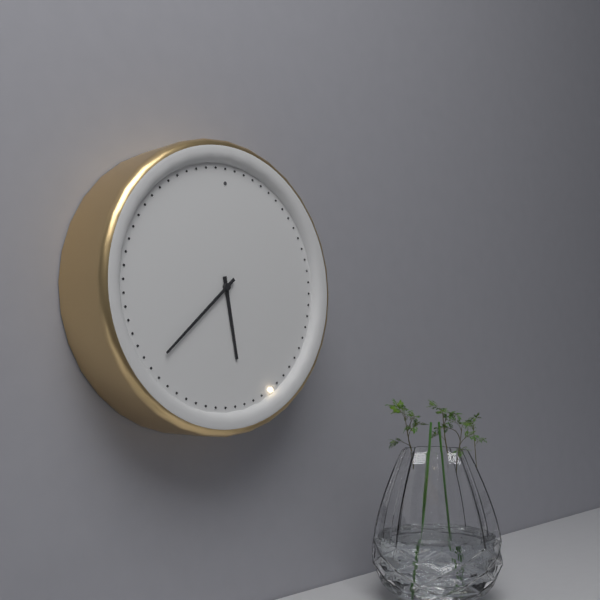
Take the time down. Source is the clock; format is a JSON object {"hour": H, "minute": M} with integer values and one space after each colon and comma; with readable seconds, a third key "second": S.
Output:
{"hour": 5, "minute": 38}
